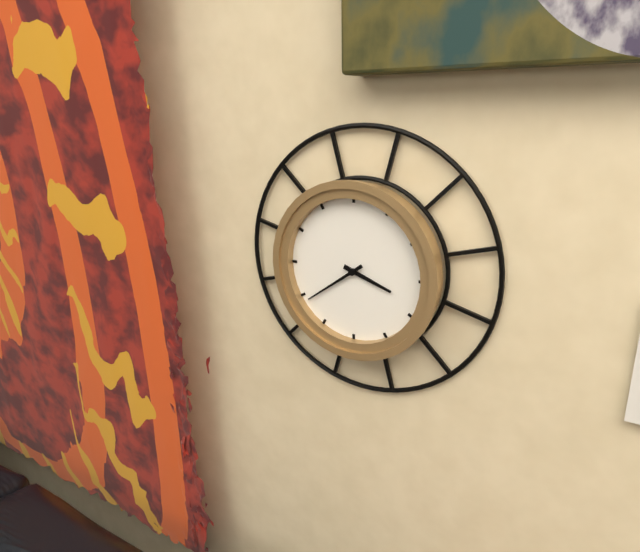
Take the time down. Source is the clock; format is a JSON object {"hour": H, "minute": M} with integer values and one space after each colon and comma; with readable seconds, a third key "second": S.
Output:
{"hour": 3, "minute": 39}
